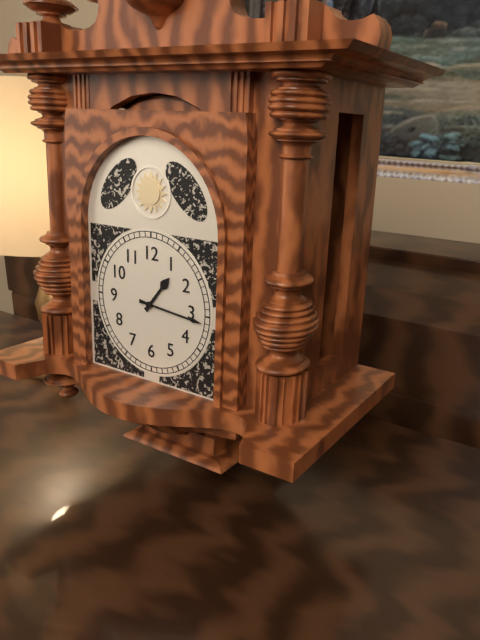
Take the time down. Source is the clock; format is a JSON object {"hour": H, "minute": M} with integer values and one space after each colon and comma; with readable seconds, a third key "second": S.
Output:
{"hour": 1, "minute": 16}
